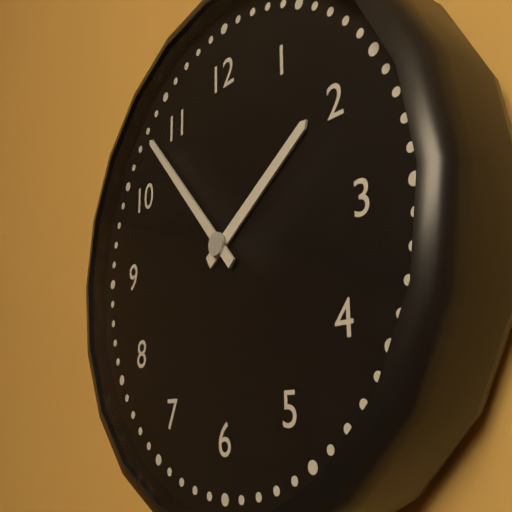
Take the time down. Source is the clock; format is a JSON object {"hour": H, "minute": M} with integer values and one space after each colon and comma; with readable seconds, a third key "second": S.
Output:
{"hour": 1, "minute": 53}
